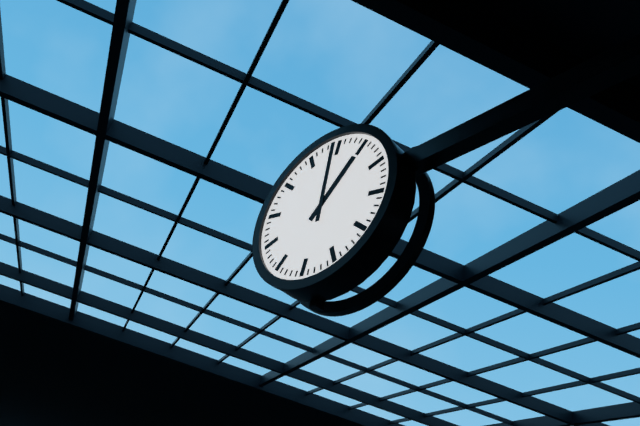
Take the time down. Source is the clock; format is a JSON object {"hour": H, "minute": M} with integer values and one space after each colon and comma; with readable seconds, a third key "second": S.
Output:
{"hour": 12, "minute": 59}
